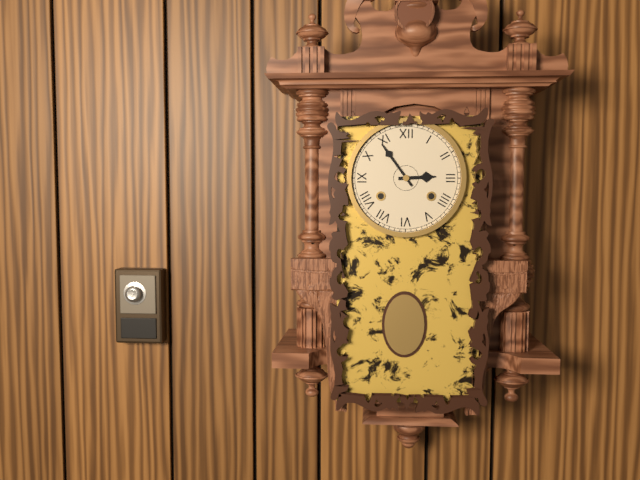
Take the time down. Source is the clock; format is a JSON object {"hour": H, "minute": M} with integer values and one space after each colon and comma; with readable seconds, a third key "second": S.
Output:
{"hour": 2, "minute": 54}
